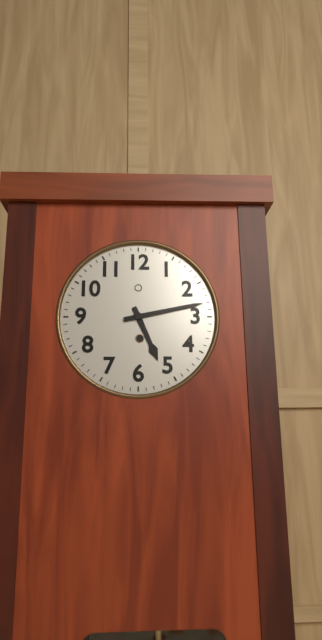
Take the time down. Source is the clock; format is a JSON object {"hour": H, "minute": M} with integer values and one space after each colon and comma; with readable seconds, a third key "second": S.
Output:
{"hour": 5, "minute": 13}
